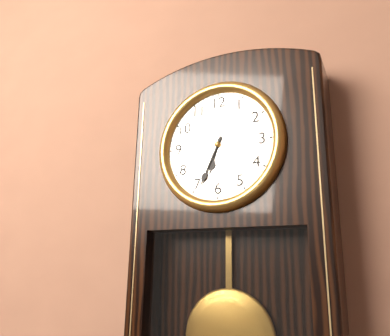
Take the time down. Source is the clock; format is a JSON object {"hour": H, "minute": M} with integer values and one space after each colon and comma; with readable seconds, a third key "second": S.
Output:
{"hour": 6, "minute": 34}
